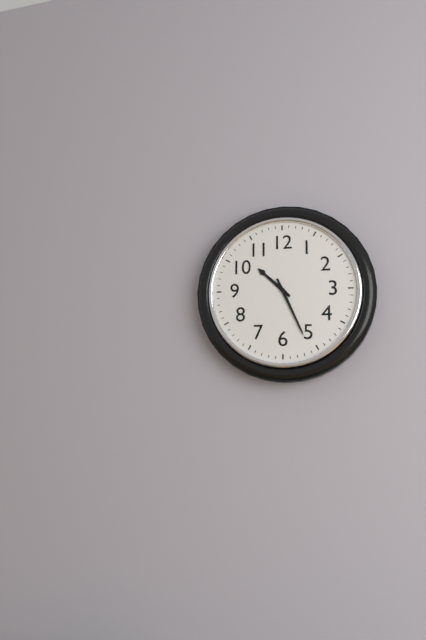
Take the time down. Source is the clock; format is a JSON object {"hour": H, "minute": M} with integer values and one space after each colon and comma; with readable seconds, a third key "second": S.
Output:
{"hour": 10, "minute": 26}
